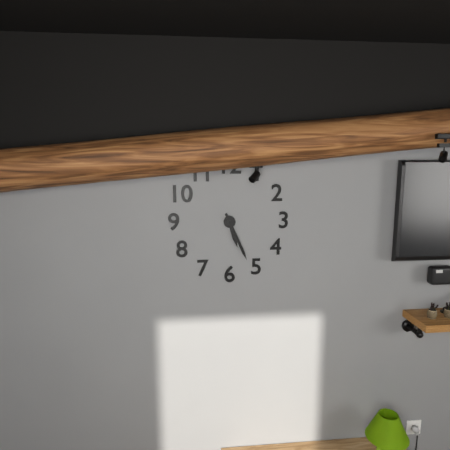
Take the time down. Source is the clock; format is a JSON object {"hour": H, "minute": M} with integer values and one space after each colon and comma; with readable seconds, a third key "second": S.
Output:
{"hour": 5, "minute": 26}
